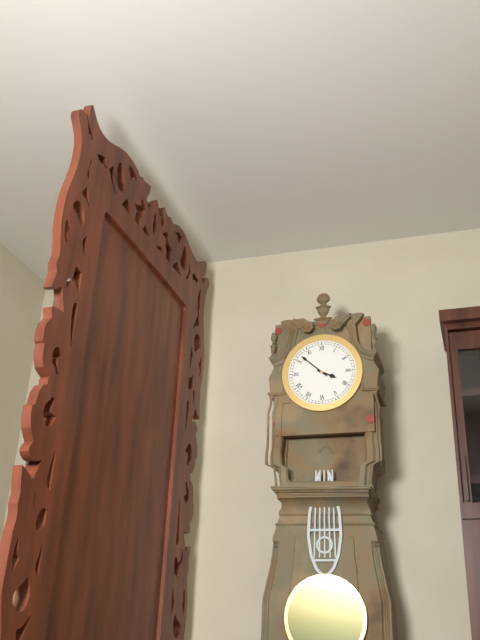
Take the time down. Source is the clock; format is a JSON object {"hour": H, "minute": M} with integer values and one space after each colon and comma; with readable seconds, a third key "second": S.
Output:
{"hour": 3, "minute": 52}
